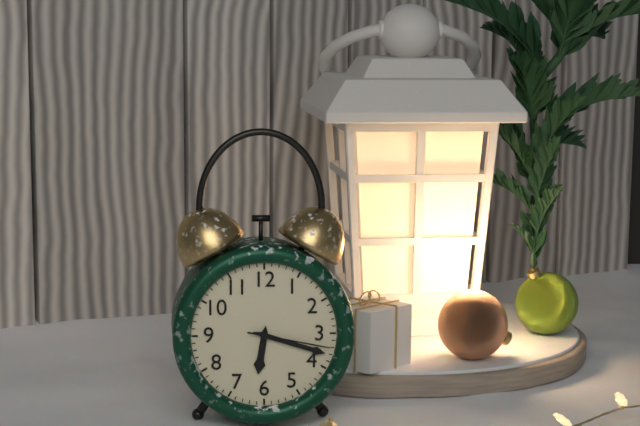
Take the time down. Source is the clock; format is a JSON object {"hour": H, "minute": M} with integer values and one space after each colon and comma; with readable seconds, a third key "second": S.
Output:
{"hour": 6, "minute": 18, "second": 17}
